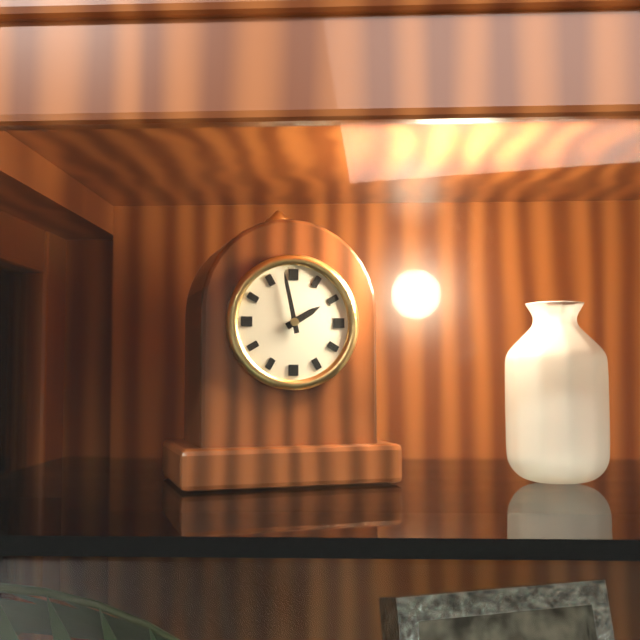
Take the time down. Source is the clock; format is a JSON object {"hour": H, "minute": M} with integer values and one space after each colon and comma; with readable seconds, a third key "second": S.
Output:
{"hour": 1, "minute": 58}
